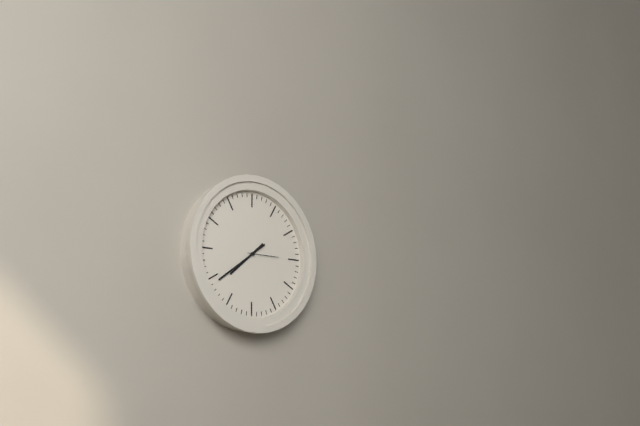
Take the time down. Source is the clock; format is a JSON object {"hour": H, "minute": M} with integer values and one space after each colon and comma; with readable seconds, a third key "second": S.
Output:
{"hour": 7, "minute": 39}
